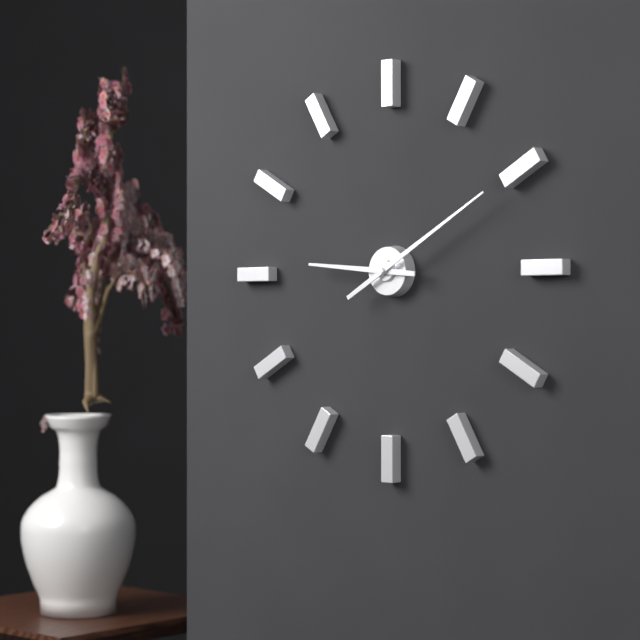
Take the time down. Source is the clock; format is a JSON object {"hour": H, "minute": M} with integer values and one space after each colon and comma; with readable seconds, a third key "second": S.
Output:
{"hour": 9, "minute": 10}
